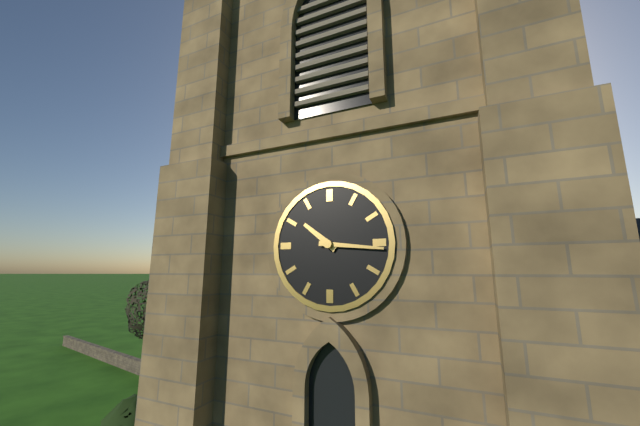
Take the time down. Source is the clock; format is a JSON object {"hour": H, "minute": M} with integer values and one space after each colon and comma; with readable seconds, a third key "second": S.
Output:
{"hour": 10, "minute": 16}
